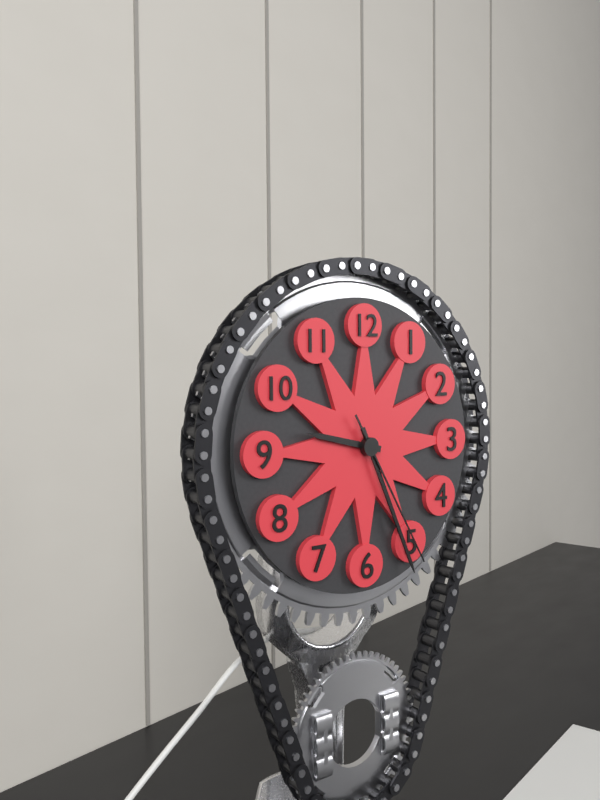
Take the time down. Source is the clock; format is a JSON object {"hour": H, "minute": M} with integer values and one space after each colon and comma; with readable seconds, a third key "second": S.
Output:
{"hour": 9, "minute": 26, "second": 25}
